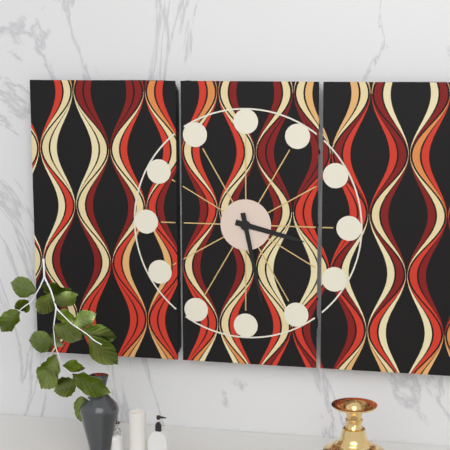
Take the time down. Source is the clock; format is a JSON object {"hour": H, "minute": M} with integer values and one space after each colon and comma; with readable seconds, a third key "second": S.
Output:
{"hour": 3, "minute": 28}
